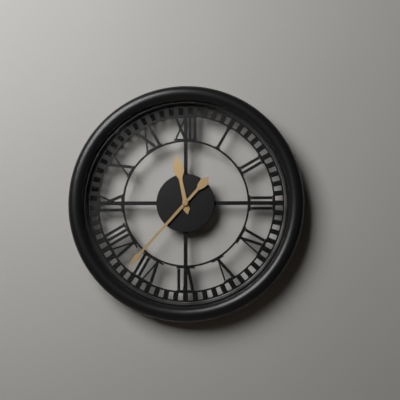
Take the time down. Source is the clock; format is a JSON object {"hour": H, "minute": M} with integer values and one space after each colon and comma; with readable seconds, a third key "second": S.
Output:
{"hour": 11, "minute": 37}
